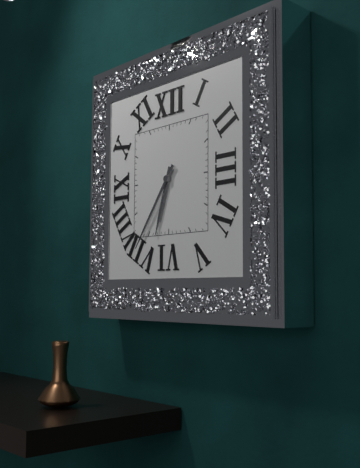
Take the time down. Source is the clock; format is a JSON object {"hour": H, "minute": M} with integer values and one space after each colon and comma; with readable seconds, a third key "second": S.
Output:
{"hour": 6, "minute": 36}
